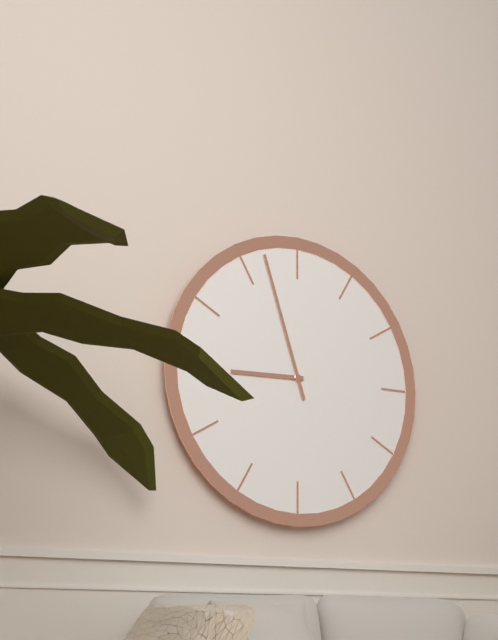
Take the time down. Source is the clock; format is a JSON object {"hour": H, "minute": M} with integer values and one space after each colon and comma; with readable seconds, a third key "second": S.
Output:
{"hour": 8, "minute": 57}
